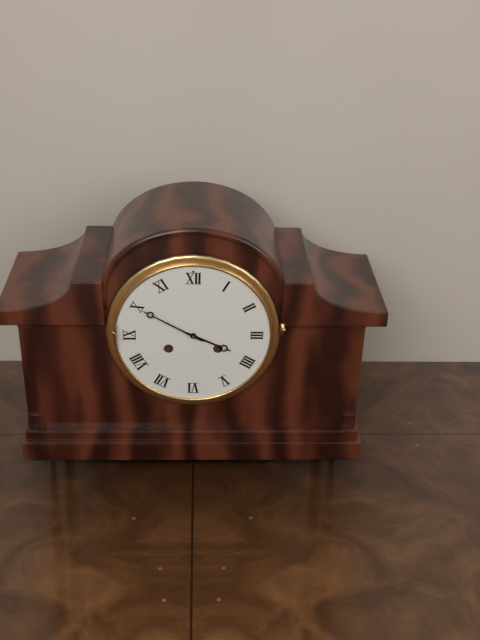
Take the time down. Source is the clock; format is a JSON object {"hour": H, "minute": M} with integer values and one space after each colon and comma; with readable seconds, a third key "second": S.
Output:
{"hour": 3, "minute": 50}
